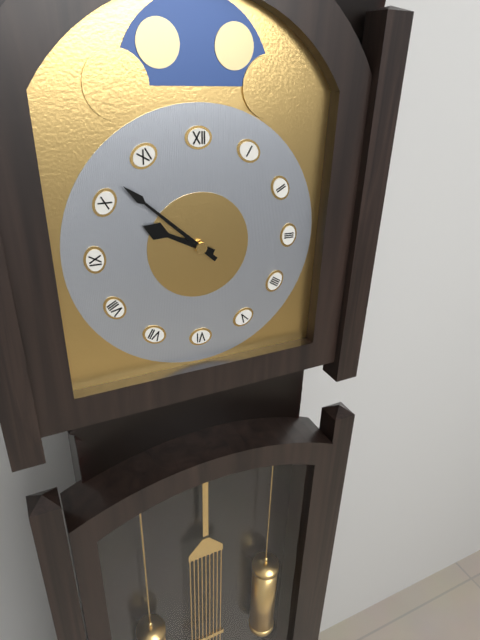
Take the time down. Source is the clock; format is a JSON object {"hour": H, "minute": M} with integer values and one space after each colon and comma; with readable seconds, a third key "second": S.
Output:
{"hour": 9, "minute": 52}
